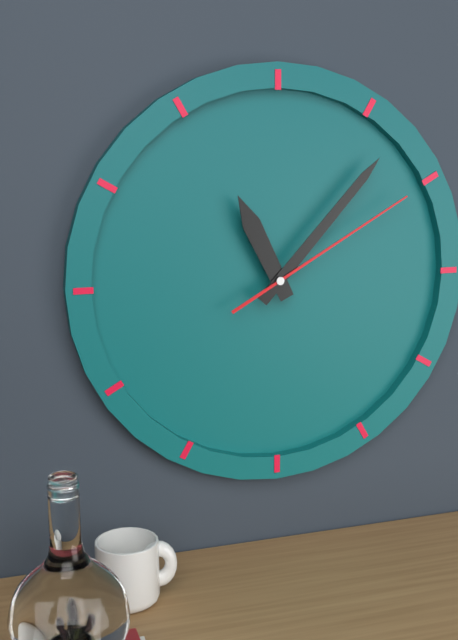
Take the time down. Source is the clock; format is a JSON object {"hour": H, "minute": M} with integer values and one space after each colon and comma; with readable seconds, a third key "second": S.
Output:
{"hour": 11, "minute": 7, "second": 10}
